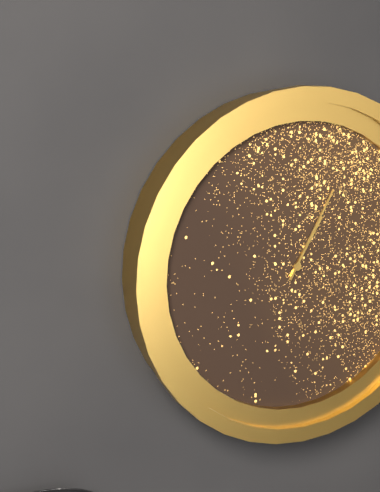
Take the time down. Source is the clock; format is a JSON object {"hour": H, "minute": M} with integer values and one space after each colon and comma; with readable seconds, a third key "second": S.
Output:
{"hour": 1, "minute": 5}
